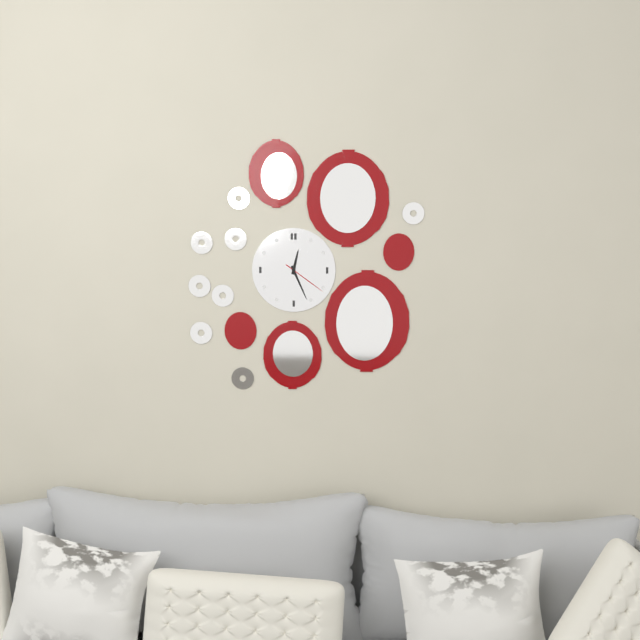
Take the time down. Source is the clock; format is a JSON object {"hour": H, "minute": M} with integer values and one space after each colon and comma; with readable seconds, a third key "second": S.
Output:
{"hour": 12, "minute": 26}
